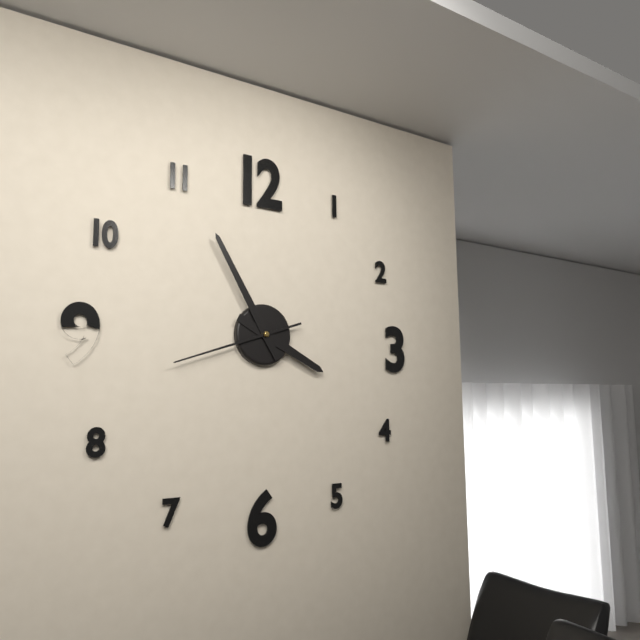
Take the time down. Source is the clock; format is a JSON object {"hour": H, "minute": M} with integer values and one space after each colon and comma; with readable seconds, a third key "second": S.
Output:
{"hour": 3, "minute": 55, "second": 42}
